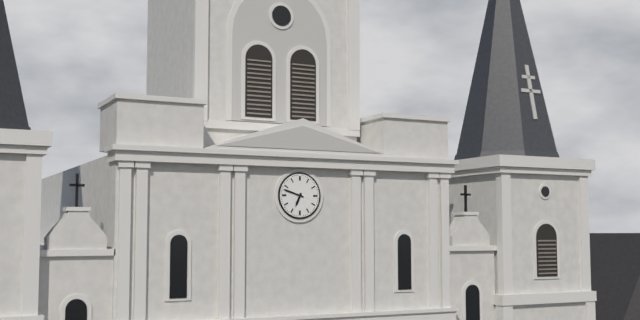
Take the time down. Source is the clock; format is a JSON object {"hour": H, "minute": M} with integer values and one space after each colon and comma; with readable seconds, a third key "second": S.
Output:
{"hour": 6, "minute": 48}
